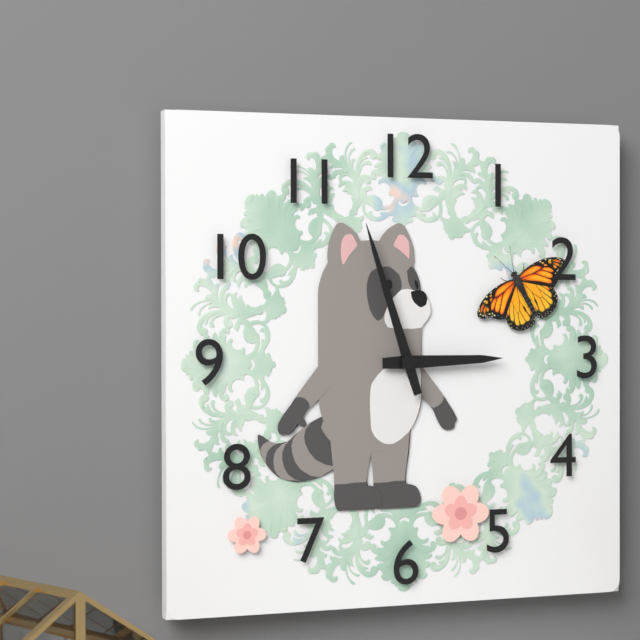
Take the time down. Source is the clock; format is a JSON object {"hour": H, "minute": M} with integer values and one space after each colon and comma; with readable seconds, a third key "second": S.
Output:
{"hour": 2, "minute": 57}
